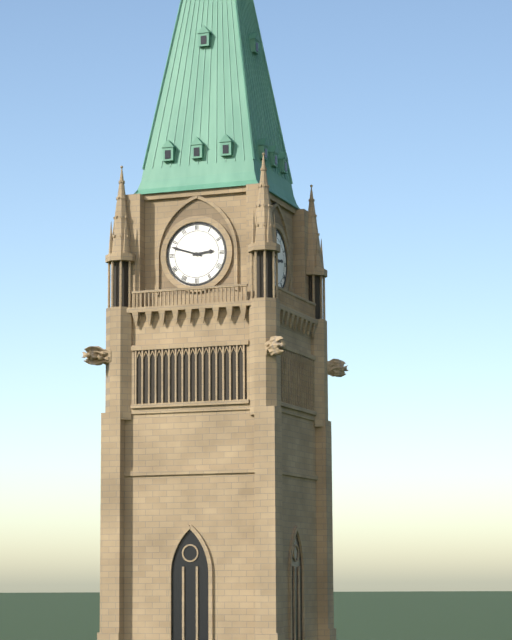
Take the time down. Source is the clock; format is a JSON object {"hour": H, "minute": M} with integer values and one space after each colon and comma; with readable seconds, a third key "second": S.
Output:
{"hour": 2, "minute": 48}
